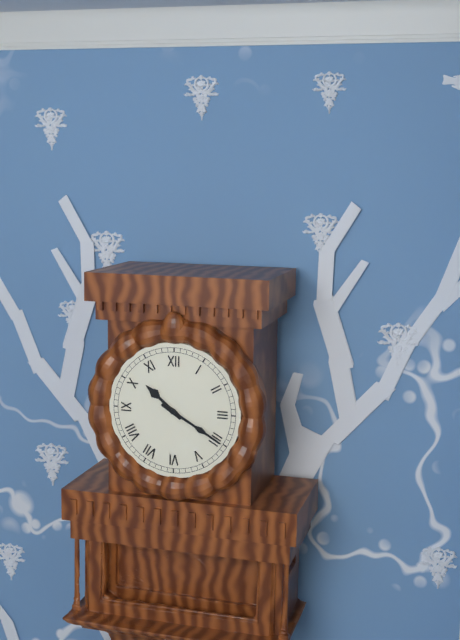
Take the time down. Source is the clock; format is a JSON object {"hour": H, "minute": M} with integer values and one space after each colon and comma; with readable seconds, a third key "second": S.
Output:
{"hour": 10, "minute": 20}
